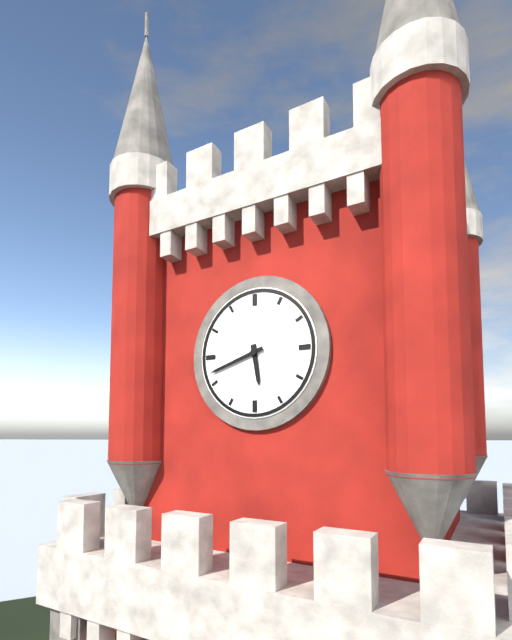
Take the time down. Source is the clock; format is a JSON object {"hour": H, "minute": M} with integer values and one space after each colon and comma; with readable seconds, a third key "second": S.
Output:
{"hour": 5, "minute": 42}
